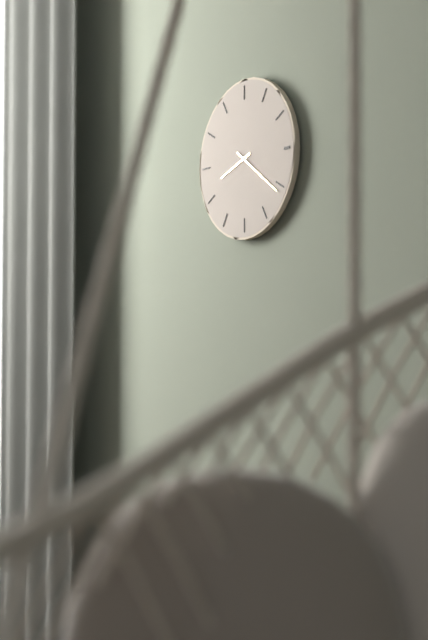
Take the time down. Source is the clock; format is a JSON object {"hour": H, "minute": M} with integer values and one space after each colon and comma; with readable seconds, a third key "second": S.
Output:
{"hour": 8, "minute": 21}
